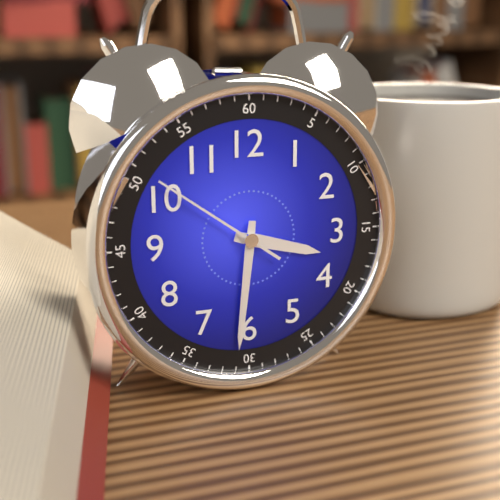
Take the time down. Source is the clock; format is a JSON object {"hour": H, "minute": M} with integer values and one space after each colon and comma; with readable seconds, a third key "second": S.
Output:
{"hour": 3, "minute": 31, "second": 51}
